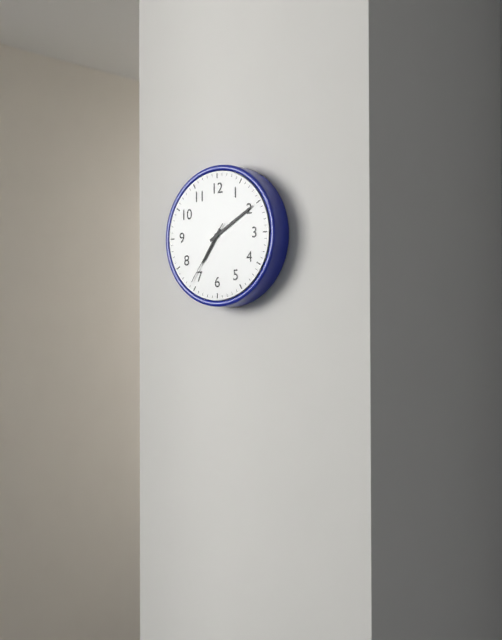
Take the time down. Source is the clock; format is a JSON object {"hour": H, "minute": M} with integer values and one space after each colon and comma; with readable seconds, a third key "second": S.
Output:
{"hour": 7, "minute": 10, "second": 36}
